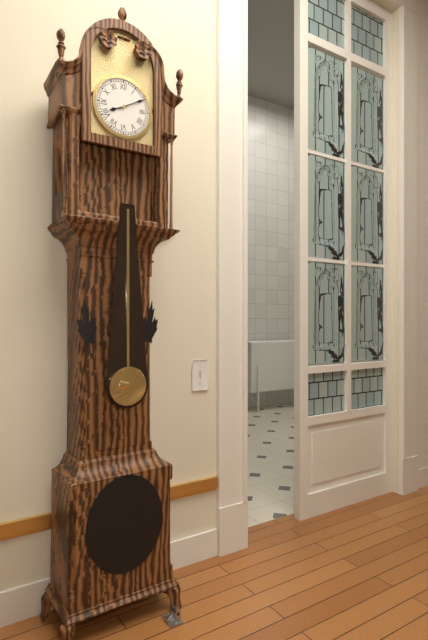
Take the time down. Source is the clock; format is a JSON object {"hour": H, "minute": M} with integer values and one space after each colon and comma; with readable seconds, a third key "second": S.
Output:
{"hour": 8, "minute": 10}
